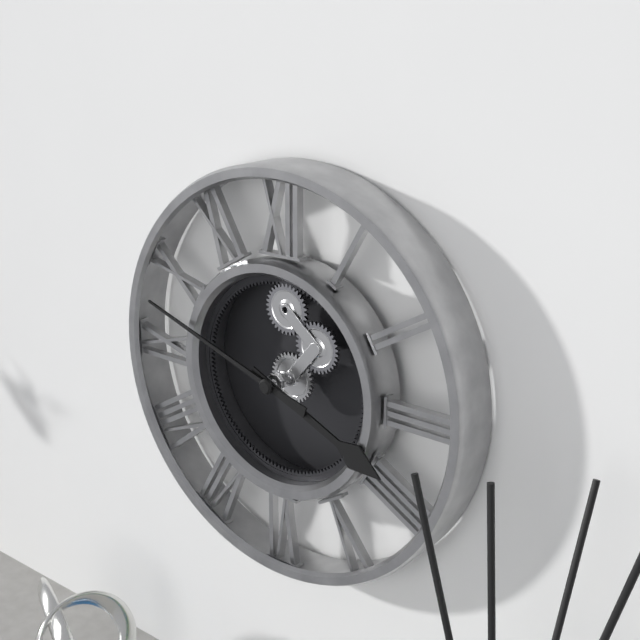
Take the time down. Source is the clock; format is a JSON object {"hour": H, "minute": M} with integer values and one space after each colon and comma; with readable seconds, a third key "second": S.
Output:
{"hour": 3, "minute": 48}
